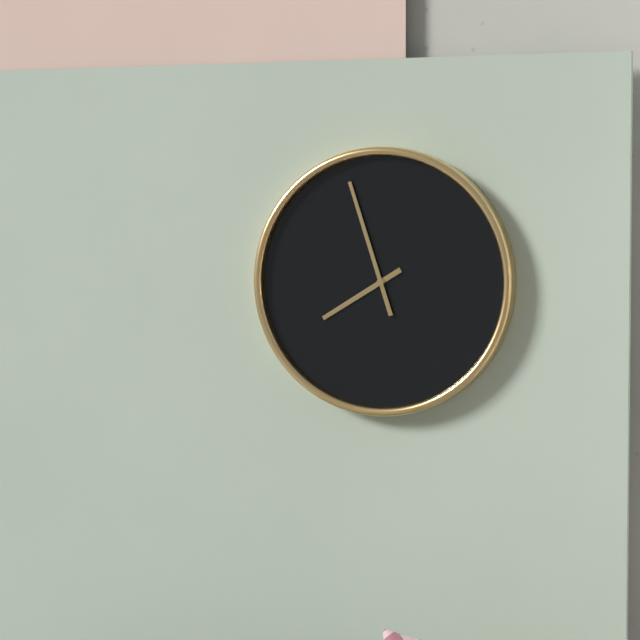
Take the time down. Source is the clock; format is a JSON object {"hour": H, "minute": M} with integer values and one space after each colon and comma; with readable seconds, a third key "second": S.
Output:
{"hour": 7, "minute": 57}
